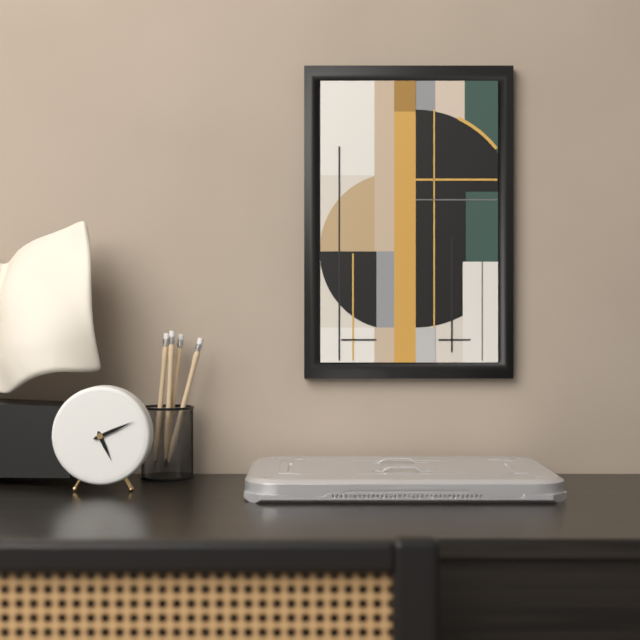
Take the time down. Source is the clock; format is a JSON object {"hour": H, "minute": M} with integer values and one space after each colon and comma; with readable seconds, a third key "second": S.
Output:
{"hour": 5, "minute": 11}
